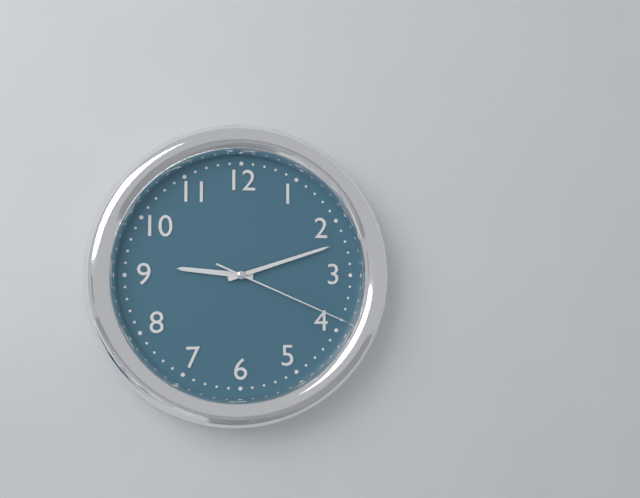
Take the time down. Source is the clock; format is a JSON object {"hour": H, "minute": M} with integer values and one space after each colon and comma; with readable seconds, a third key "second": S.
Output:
{"hour": 9, "minute": 12, "second": 19}
